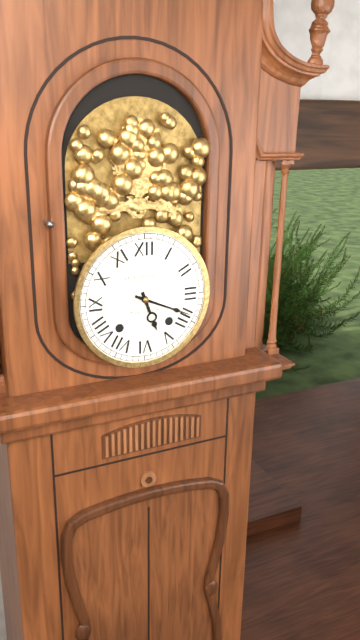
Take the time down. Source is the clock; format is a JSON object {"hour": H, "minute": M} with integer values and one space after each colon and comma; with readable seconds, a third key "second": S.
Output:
{"hour": 5, "minute": 19}
